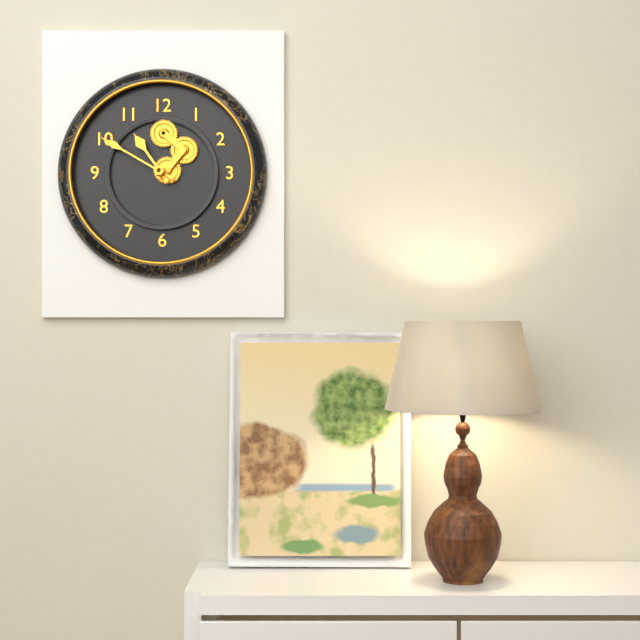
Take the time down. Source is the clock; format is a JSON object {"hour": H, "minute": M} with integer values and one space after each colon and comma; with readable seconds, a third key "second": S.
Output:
{"hour": 10, "minute": 50}
